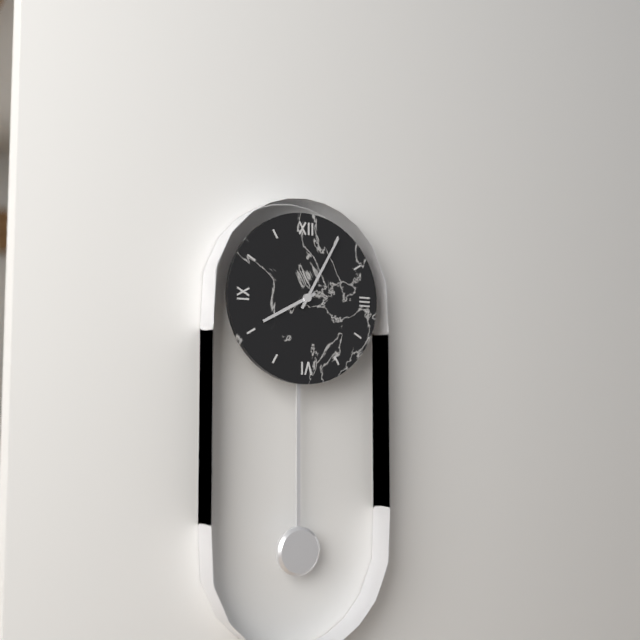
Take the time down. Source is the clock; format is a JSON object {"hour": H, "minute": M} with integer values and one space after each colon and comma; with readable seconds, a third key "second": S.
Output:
{"hour": 8, "minute": 5}
